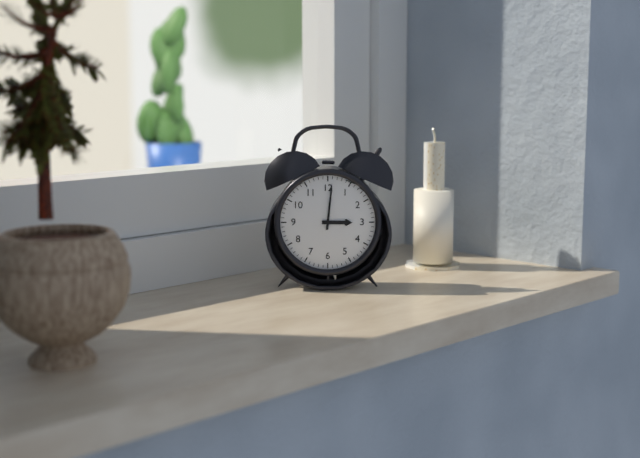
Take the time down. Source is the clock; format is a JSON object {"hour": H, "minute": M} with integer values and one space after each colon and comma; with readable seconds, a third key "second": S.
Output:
{"hour": 3, "minute": 1}
